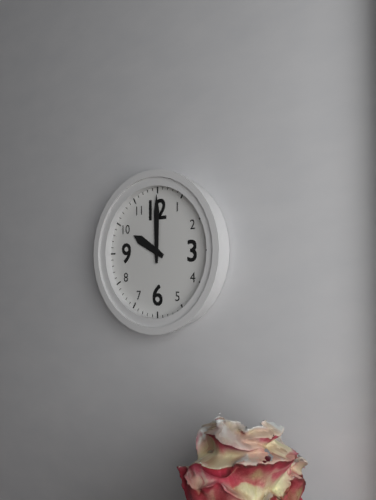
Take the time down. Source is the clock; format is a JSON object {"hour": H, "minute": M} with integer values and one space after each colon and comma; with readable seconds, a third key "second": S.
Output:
{"hour": 10, "minute": 0}
